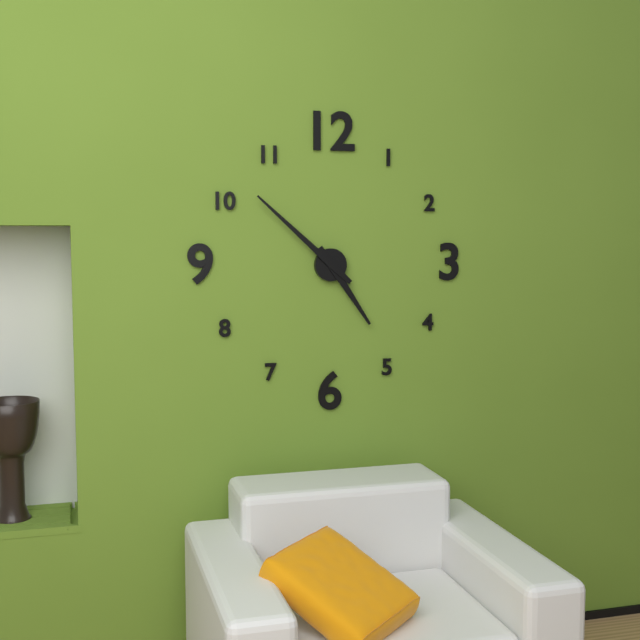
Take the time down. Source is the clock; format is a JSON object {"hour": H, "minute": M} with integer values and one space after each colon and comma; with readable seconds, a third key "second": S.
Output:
{"hour": 4, "minute": 52}
